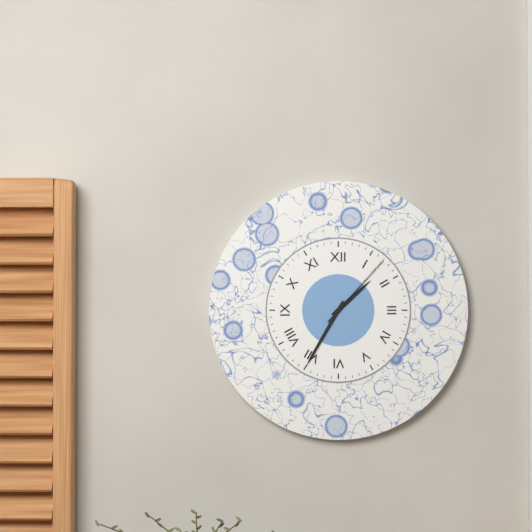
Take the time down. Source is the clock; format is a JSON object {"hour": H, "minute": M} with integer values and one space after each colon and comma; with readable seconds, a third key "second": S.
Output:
{"hour": 1, "minute": 35, "second": 7}
